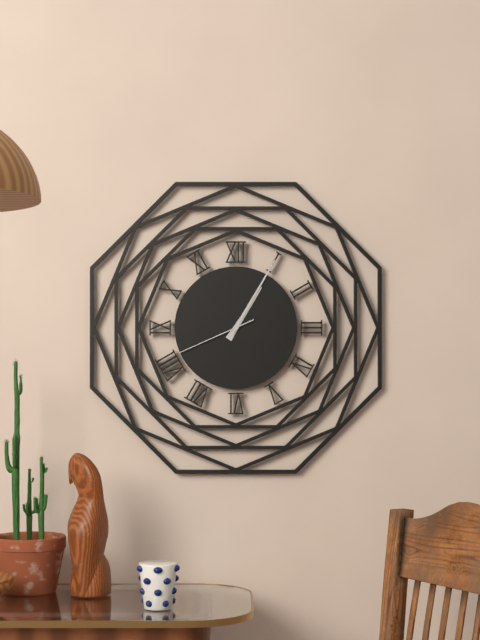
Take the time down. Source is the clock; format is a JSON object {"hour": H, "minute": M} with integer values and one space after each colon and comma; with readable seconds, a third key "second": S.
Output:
{"hour": 1, "minute": 5, "second": 41}
